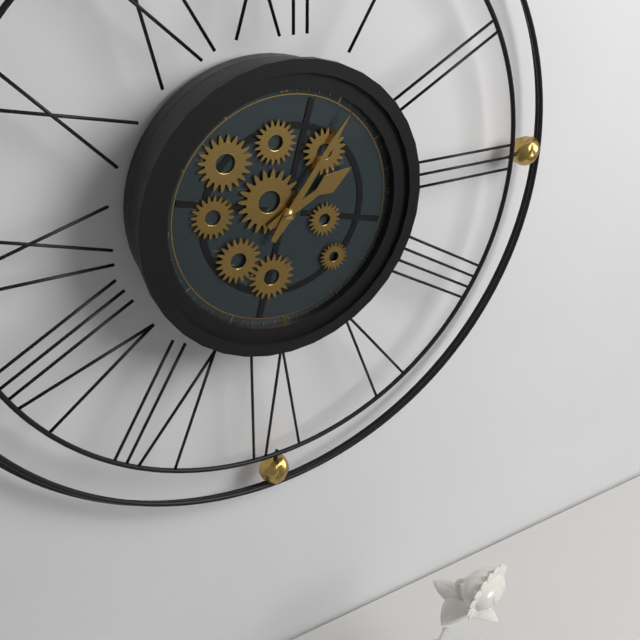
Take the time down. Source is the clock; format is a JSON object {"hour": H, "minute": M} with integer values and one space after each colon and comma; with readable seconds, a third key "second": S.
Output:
{"hour": 2, "minute": 6}
